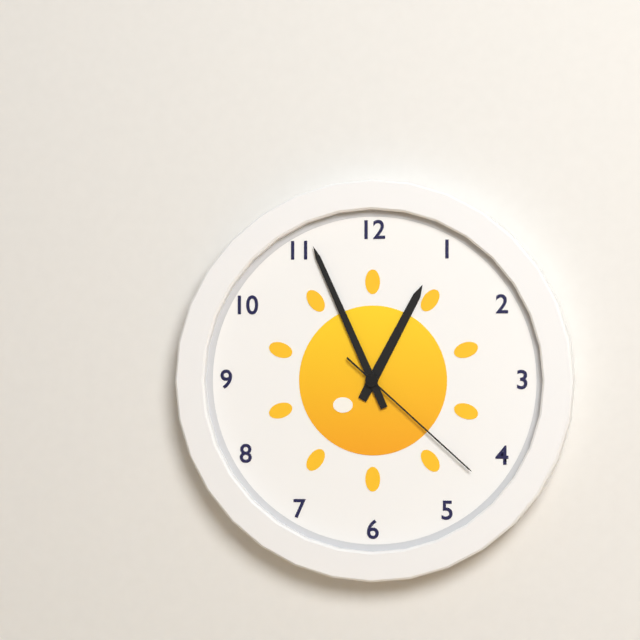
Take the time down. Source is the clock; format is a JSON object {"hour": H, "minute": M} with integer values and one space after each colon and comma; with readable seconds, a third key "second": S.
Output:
{"hour": 12, "minute": 56, "second": 22}
